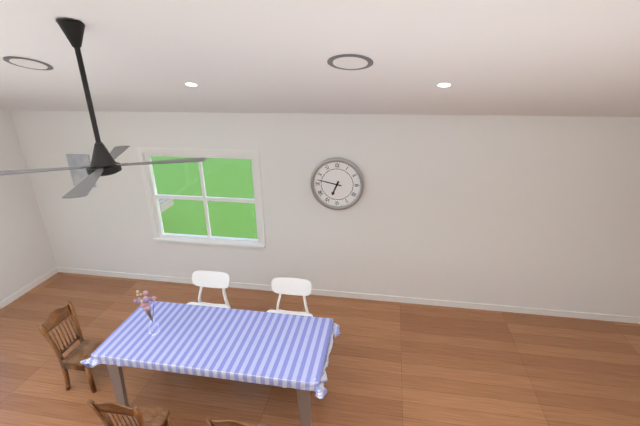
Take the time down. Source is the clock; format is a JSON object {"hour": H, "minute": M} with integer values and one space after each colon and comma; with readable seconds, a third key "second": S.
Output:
{"hour": 6, "minute": 47}
